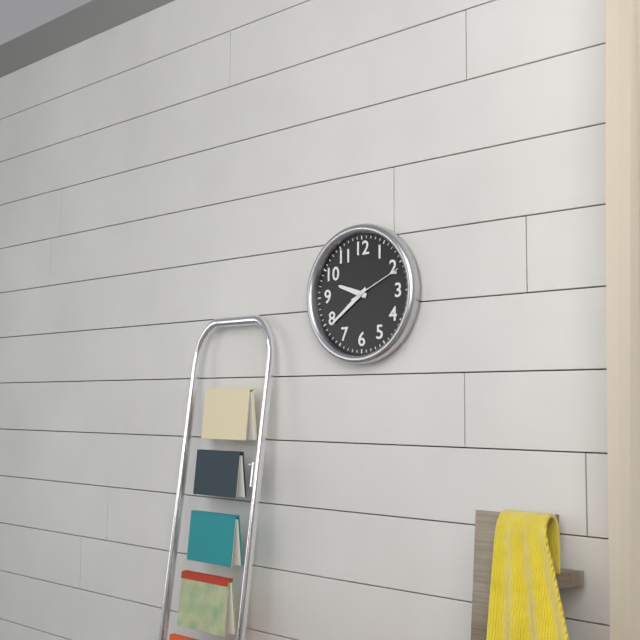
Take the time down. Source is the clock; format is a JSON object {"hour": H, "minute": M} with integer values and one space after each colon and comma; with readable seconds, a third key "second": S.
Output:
{"hour": 9, "minute": 39, "second": 11}
